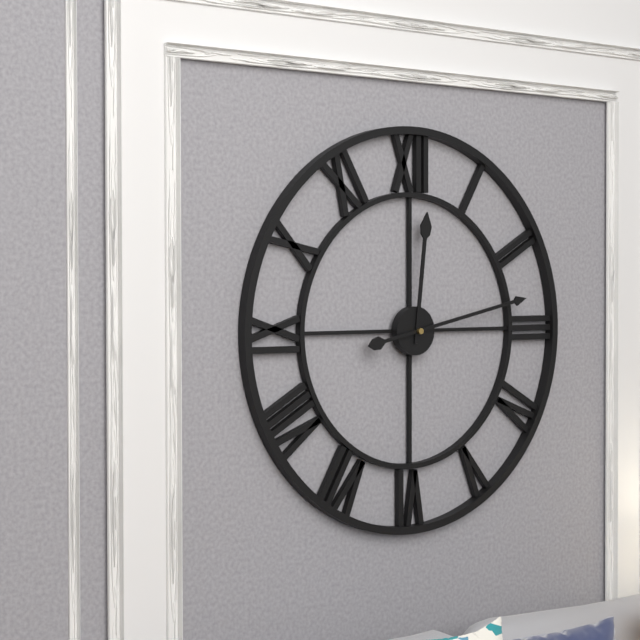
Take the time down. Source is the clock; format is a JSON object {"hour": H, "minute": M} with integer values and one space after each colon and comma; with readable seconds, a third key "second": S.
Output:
{"hour": 12, "minute": 13}
